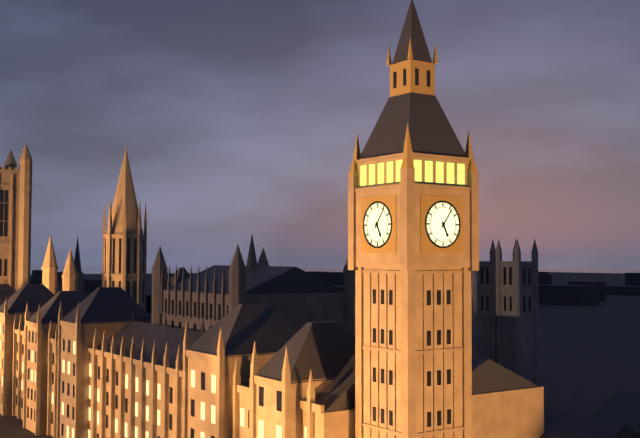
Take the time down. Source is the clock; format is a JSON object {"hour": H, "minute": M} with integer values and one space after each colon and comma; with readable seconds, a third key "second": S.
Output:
{"hour": 5, "minute": 6}
